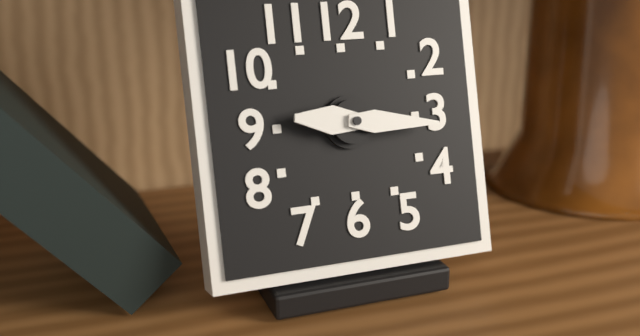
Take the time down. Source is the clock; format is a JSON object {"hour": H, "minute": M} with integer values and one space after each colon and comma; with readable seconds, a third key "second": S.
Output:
{"hour": 9, "minute": 16}
